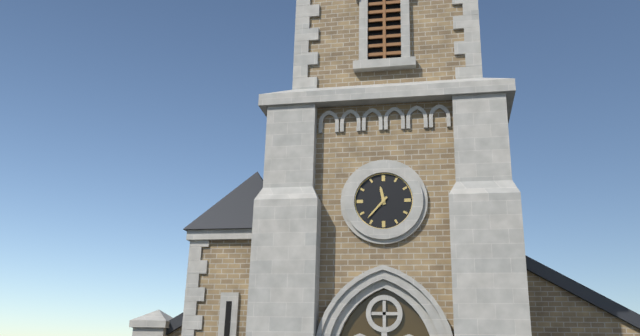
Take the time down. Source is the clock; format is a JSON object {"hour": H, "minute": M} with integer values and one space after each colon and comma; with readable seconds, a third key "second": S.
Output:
{"hour": 11, "minute": 37}
